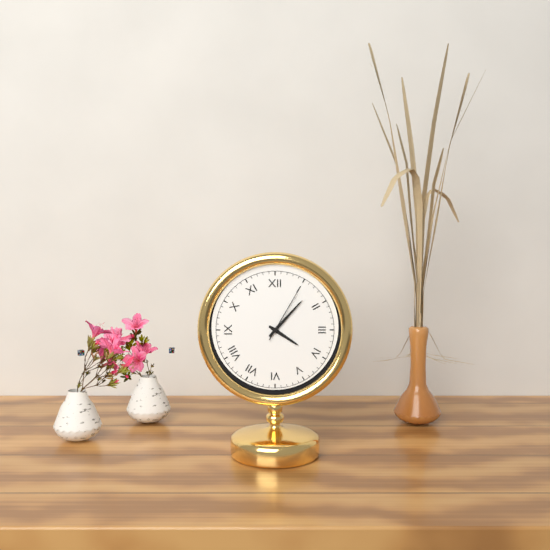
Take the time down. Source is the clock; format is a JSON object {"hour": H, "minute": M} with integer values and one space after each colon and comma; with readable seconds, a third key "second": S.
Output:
{"hour": 4, "minute": 7, "second": 5}
